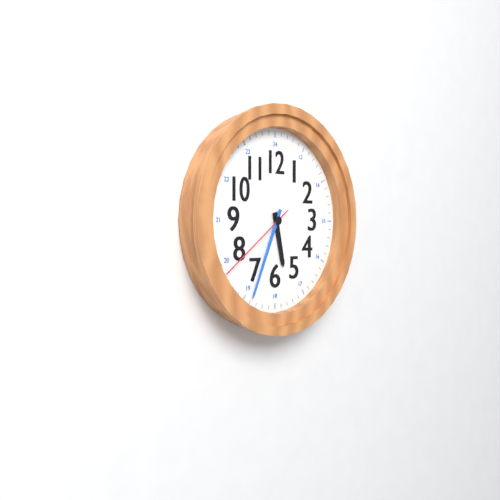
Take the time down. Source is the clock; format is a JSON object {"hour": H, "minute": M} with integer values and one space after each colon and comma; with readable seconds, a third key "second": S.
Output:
{"hour": 5, "minute": 34, "second": 39}
